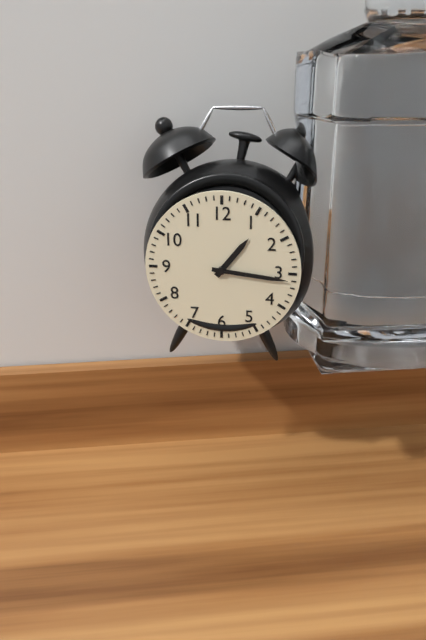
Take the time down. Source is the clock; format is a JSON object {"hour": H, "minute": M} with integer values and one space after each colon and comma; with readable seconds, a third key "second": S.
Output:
{"hour": 1, "minute": 16}
